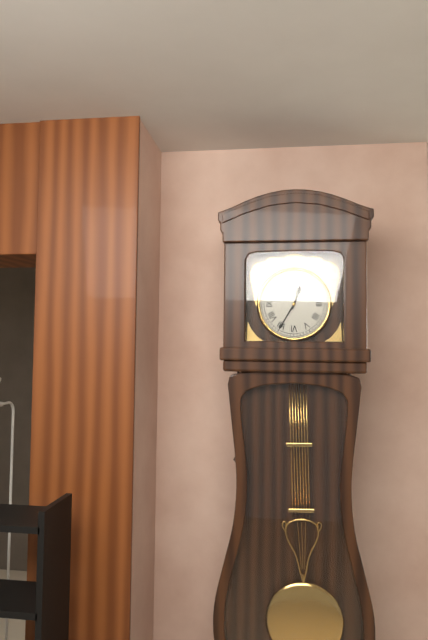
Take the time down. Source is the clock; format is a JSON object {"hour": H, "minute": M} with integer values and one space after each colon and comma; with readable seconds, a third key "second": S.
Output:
{"hour": 12, "minute": 35}
